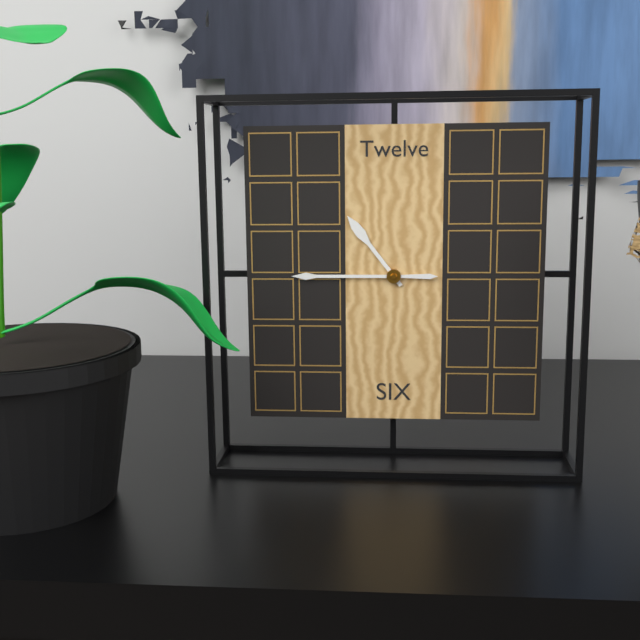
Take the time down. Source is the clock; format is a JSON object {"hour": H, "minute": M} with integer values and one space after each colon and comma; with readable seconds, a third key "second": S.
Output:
{"hour": 10, "minute": 45}
